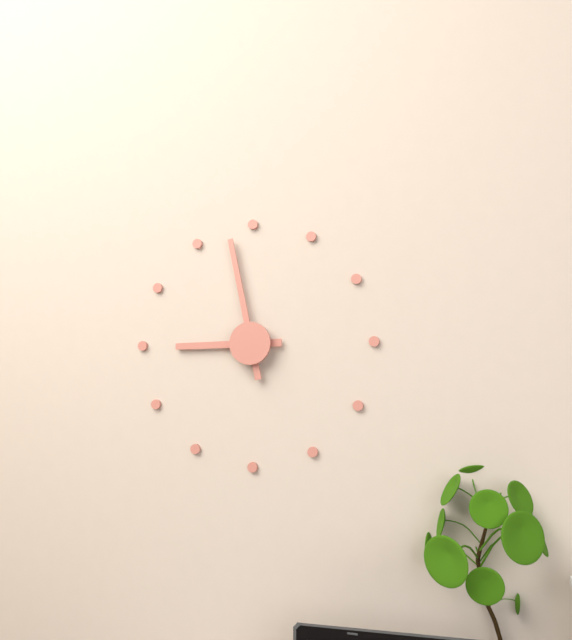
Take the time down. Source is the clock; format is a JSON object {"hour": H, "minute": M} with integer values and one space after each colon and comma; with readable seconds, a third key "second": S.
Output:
{"hour": 8, "minute": 58}
